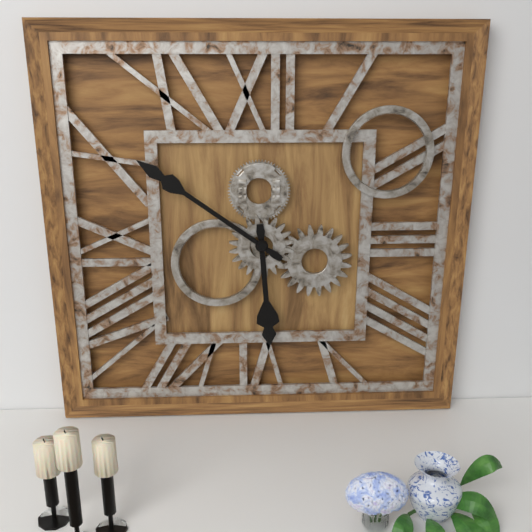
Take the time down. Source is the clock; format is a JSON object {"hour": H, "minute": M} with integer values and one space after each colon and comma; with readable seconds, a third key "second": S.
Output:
{"hour": 5, "minute": 51}
